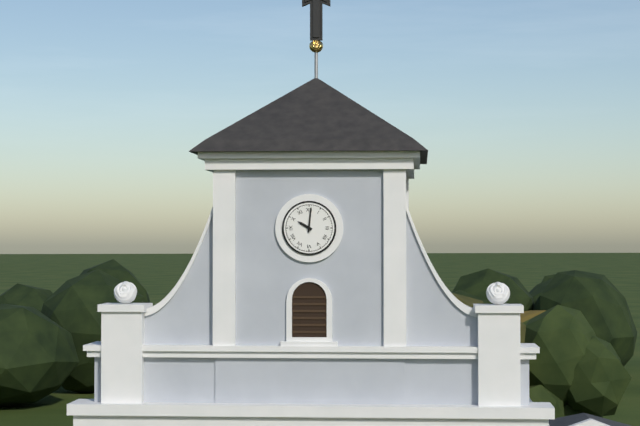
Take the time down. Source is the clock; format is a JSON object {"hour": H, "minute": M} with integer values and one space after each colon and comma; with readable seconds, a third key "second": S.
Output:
{"hour": 10, "minute": 1}
